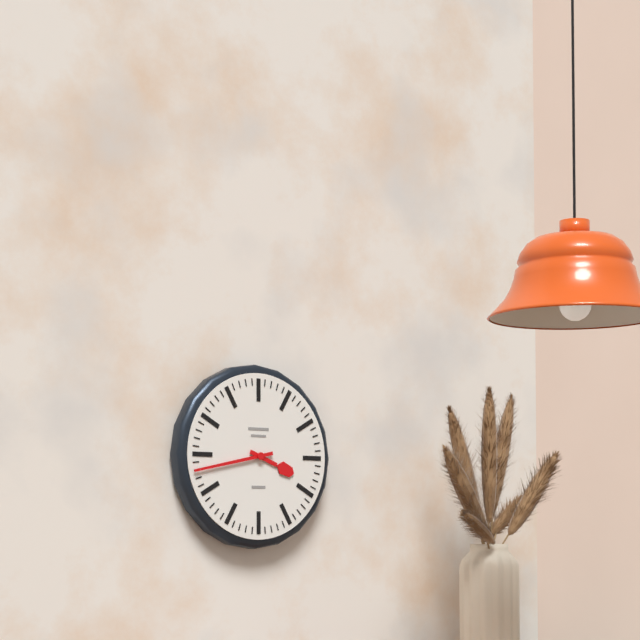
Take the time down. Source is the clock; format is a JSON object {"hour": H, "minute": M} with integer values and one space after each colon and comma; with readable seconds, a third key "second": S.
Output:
{"hour": 3, "minute": 43}
